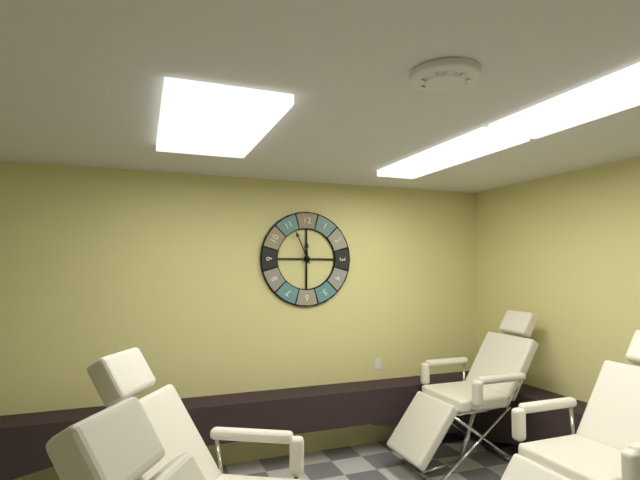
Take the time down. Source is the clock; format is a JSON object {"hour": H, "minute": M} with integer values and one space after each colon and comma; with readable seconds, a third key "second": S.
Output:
{"hour": 11, "minute": 56}
